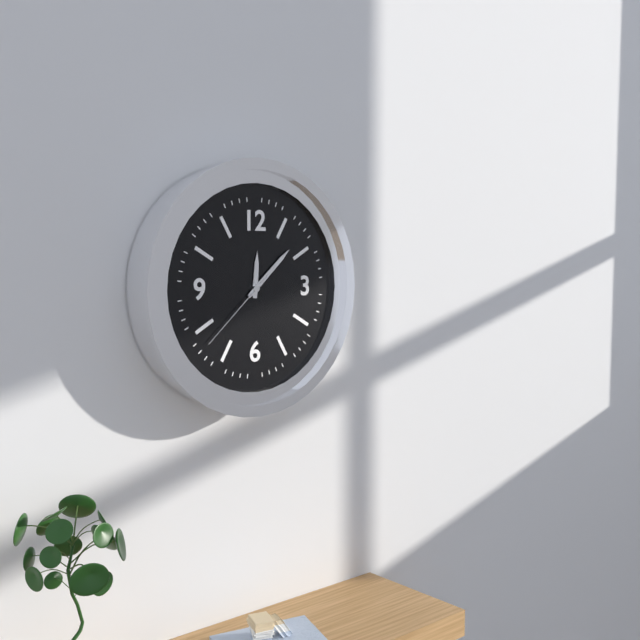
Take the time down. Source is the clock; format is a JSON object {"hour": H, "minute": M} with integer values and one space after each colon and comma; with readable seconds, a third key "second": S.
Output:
{"hour": 12, "minute": 8, "second": 38}
